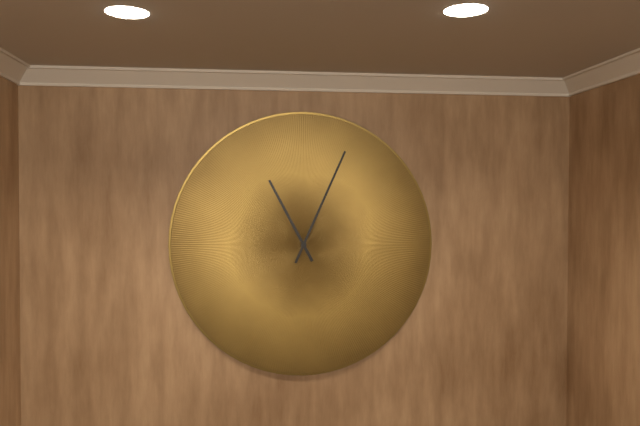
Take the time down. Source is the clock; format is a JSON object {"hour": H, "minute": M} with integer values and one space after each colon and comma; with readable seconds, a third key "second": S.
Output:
{"hour": 11, "minute": 4}
